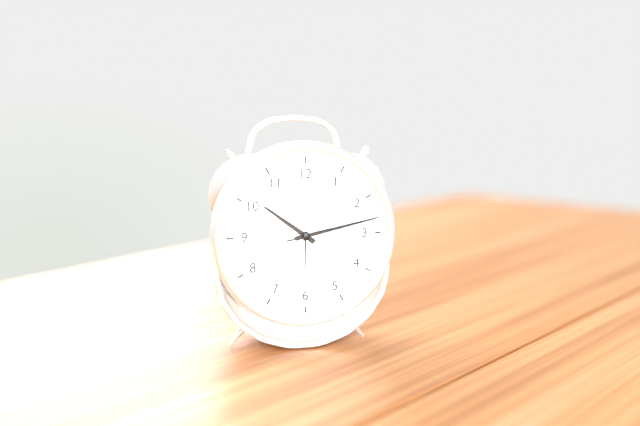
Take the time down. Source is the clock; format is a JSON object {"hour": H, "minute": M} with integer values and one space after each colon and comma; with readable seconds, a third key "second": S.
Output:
{"hour": 10, "minute": 13, "second": 13}
